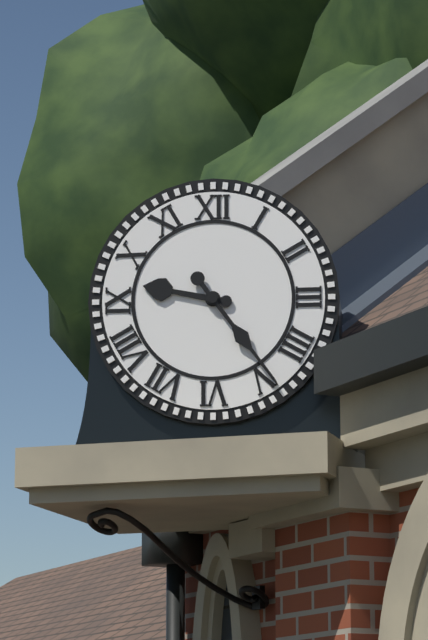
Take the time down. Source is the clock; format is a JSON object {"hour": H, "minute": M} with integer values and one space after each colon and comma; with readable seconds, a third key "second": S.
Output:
{"hour": 9, "minute": 24}
